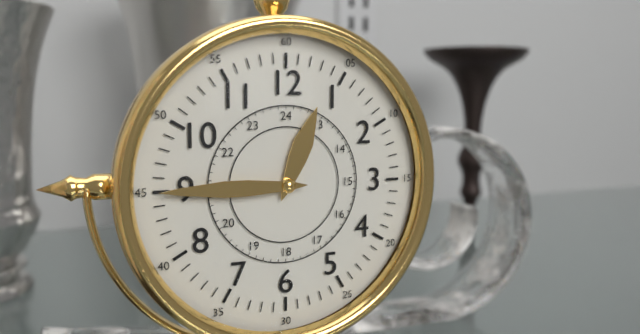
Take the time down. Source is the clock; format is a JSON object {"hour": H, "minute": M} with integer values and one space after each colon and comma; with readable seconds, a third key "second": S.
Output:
{"hour": 12, "minute": 45}
